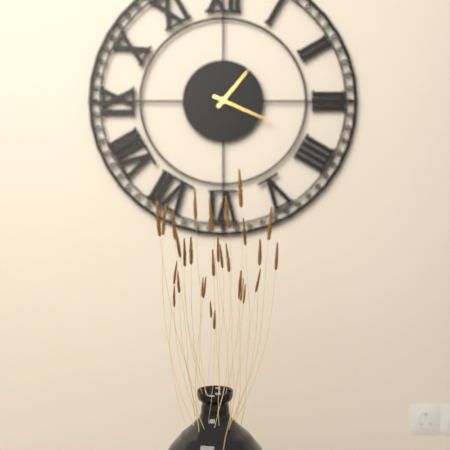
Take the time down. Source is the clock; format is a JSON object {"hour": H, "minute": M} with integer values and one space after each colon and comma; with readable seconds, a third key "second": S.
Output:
{"hour": 1, "minute": 19}
